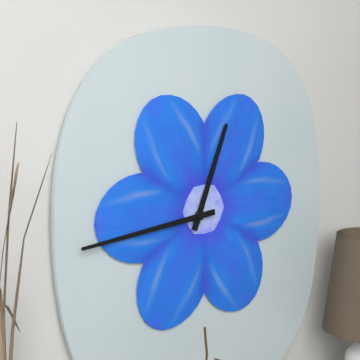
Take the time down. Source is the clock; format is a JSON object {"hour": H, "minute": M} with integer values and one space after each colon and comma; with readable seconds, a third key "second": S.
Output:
{"hour": 12, "minute": 44}
